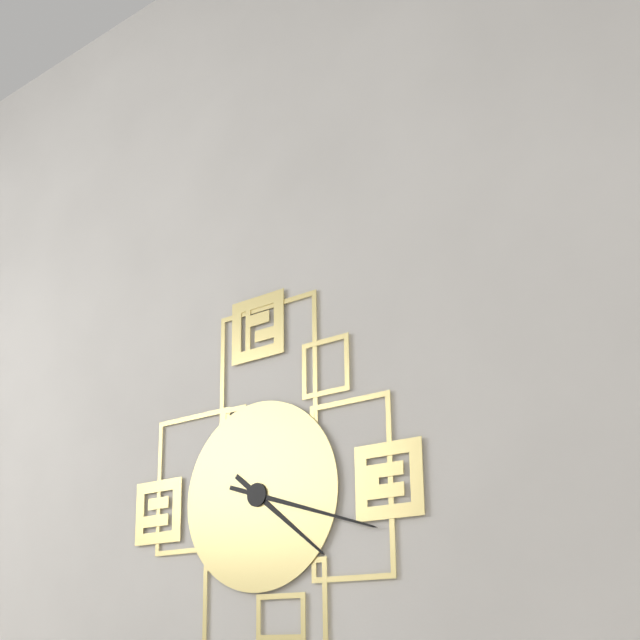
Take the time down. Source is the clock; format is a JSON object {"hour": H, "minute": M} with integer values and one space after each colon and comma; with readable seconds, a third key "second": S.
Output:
{"hour": 4, "minute": 18}
